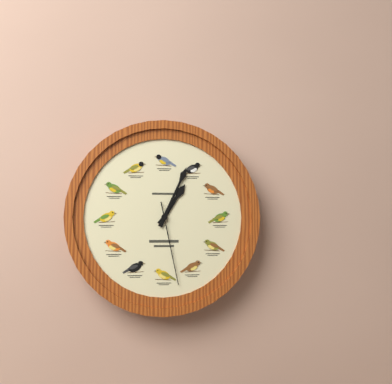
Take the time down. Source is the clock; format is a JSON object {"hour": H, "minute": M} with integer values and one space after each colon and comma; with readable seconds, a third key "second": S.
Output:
{"hour": 1, "minute": 4, "second": 28}
